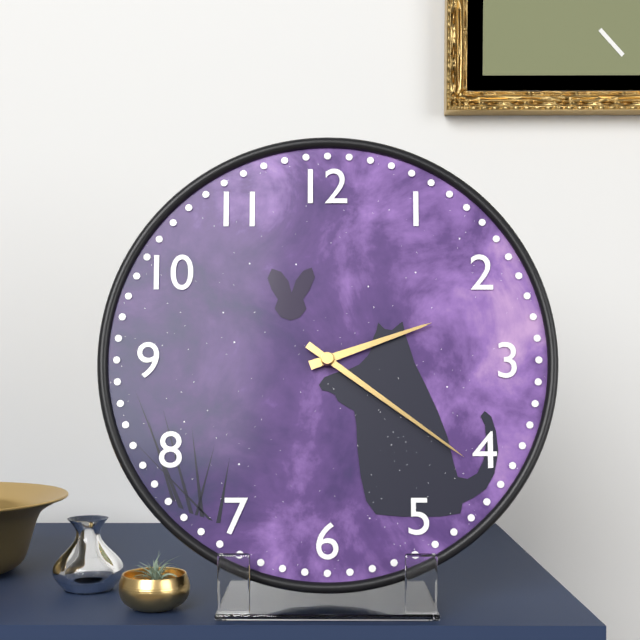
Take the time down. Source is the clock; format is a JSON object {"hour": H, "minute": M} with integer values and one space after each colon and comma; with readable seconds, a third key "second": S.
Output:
{"hour": 2, "minute": 21}
